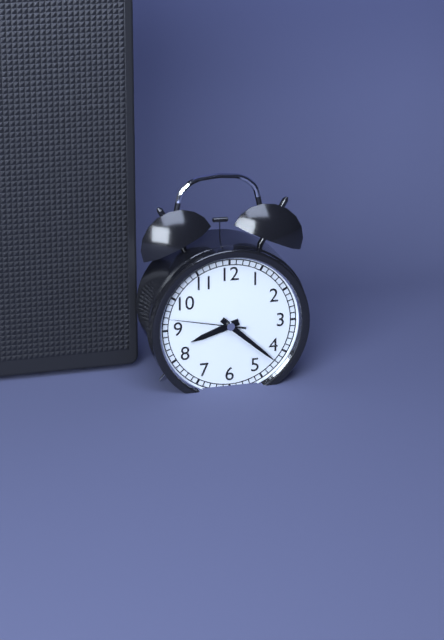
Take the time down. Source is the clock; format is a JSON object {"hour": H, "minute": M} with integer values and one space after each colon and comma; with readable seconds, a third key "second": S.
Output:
{"hour": 8, "minute": 22, "second": 47}
